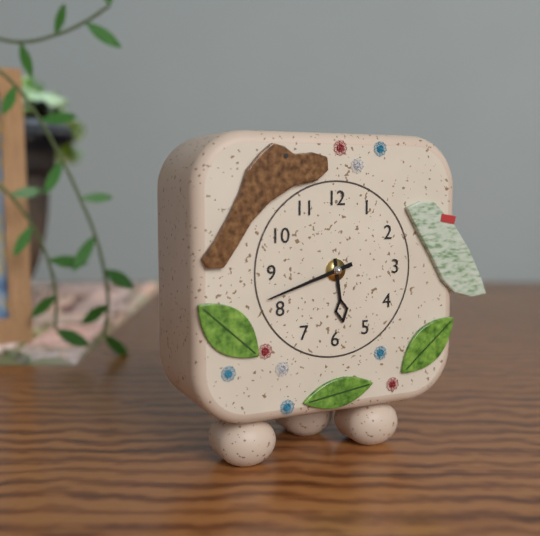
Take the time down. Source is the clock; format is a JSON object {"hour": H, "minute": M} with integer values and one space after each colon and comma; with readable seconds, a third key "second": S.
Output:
{"hour": 5, "minute": 42}
